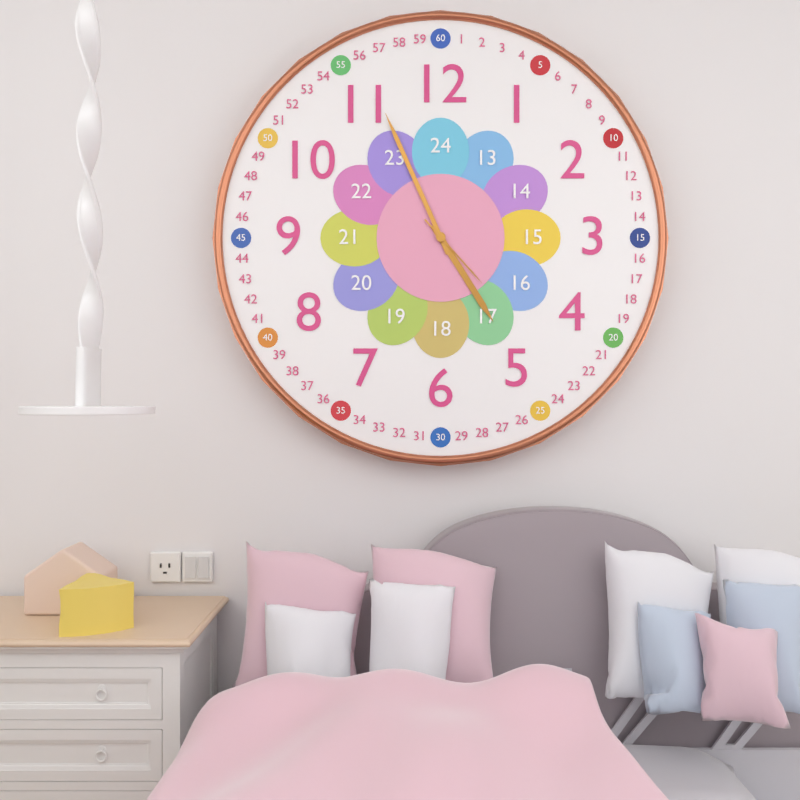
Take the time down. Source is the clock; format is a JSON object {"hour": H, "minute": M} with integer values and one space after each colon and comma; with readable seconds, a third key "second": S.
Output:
{"hour": 4, "minute": 56, "second": 23}
